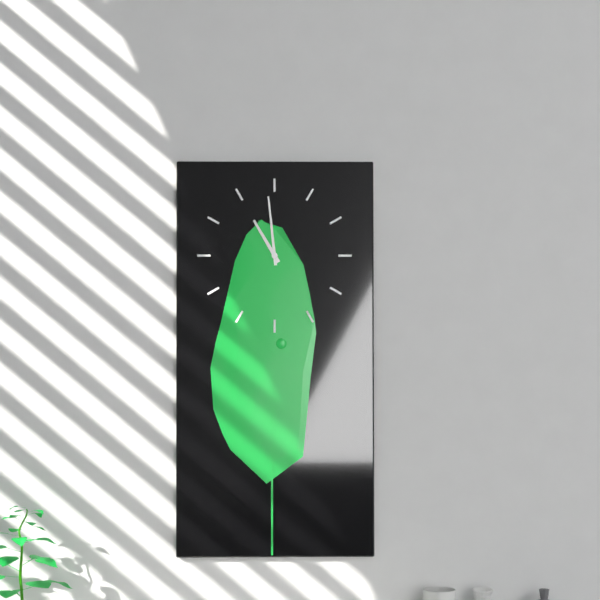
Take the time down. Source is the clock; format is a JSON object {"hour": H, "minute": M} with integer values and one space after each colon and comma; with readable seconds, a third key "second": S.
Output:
{"hour": 10, "minute": 59}
